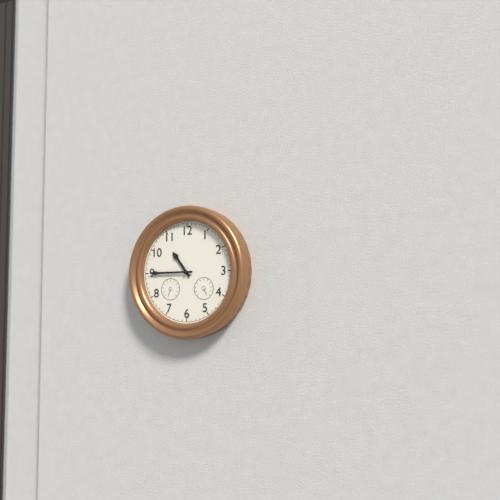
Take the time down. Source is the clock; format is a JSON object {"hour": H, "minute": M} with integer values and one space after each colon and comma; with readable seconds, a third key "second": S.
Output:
{"hour": 10, "minute": 45}
